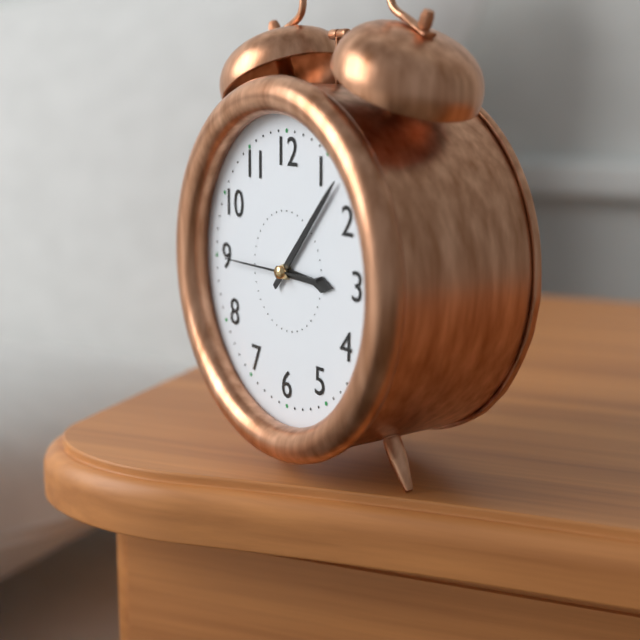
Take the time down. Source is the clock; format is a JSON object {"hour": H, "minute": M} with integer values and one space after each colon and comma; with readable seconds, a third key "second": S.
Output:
{"hour": 3, "minute": 7, "second": 45}
